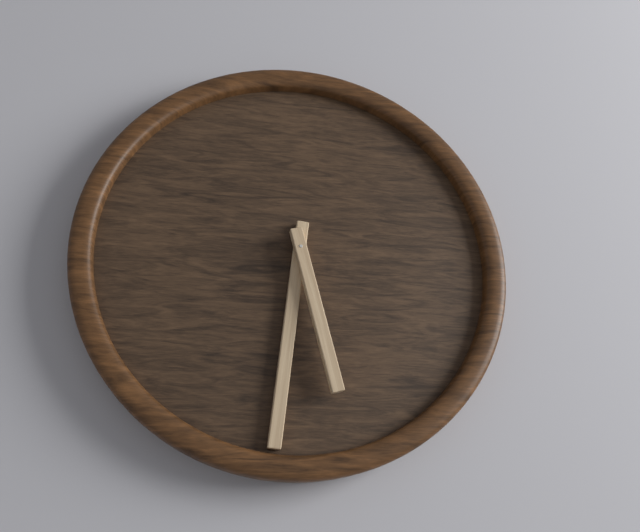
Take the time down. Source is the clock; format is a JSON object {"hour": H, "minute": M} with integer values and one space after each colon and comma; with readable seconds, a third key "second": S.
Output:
{"hour": 5, "minute": 31}
